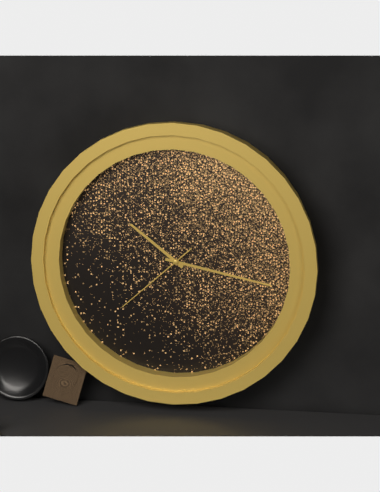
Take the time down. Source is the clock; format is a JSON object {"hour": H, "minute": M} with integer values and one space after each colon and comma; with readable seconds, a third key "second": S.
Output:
{"hour": 10, "minute": 17, "second": 38}
